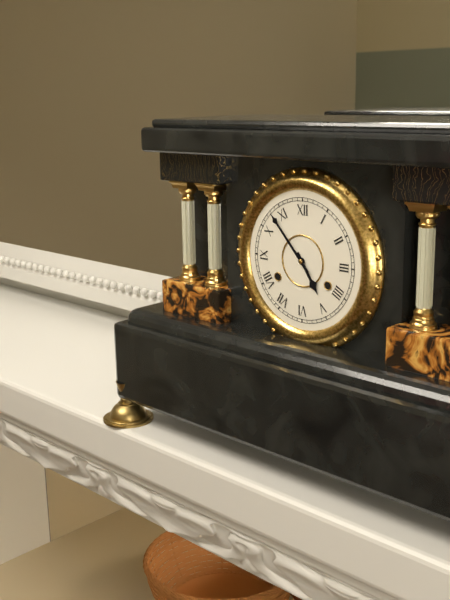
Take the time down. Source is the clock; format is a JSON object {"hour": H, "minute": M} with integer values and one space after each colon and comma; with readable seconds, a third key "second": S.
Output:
{"hour": 4, "minute": 53}
